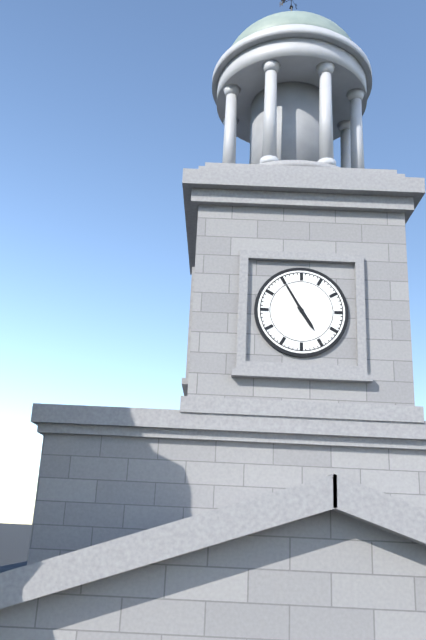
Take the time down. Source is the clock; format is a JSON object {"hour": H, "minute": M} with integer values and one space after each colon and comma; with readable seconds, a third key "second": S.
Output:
{"hour": 4, "minute": 55}
